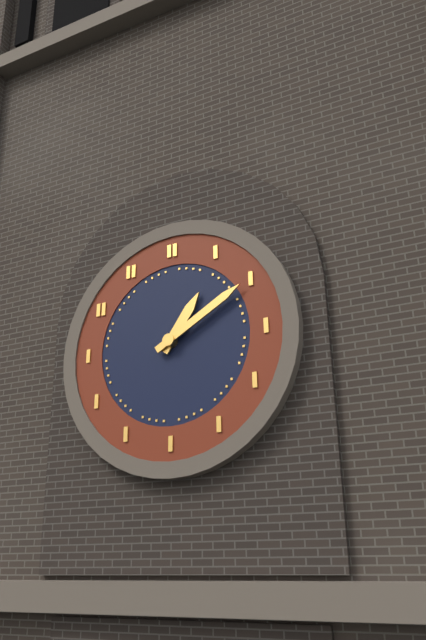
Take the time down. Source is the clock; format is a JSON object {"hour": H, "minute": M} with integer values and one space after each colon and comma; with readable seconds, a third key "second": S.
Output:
{"hour": 1, "minute": 10}
